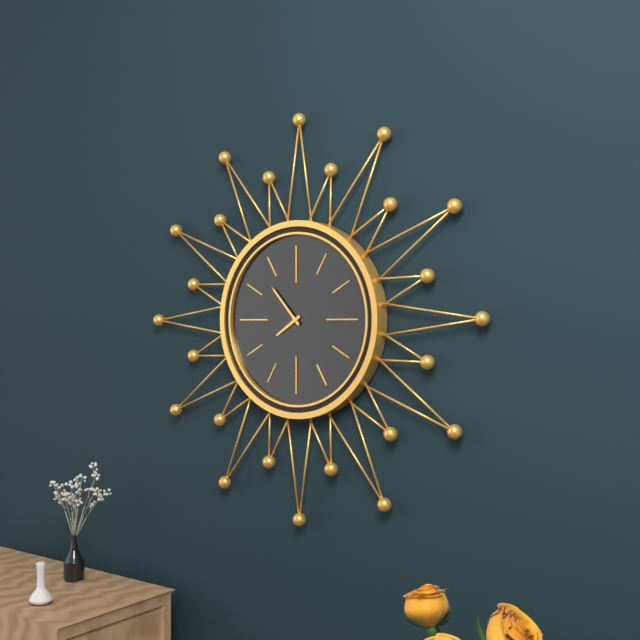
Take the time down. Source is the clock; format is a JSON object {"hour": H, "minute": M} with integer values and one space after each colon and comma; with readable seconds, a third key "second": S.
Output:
{"hour": 7, "minute": 53}
